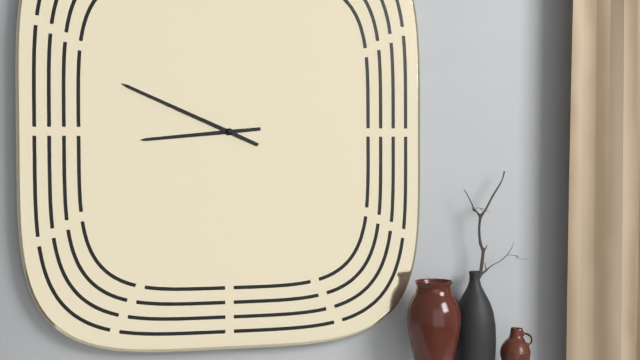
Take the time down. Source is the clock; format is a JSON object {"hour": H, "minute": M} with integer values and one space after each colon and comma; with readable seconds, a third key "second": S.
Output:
{"hour": 8, "minute": 49}
